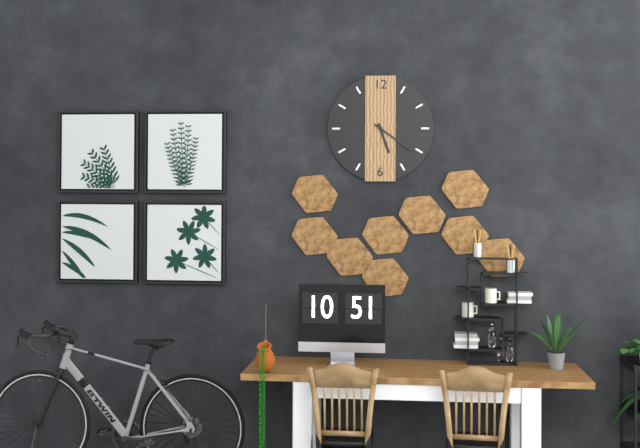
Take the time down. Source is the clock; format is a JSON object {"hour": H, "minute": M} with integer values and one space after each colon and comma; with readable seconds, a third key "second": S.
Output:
{"hour": 5, "minute": 21}
